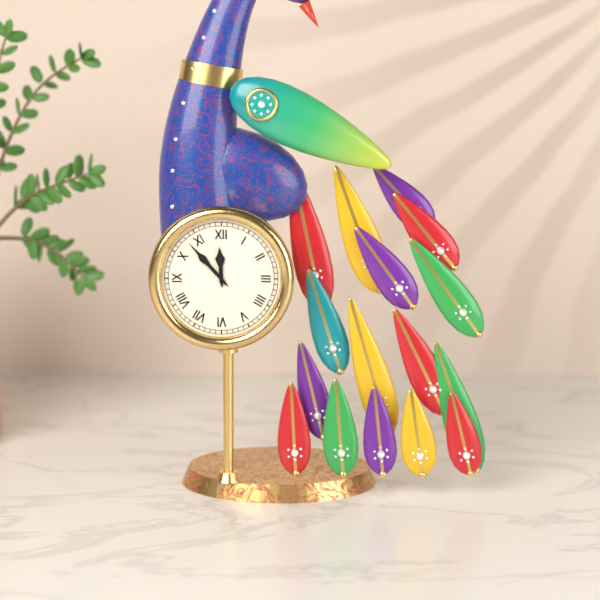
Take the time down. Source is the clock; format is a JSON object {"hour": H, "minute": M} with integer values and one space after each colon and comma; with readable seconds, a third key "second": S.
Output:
{"hour": 11, "minute": 53}
